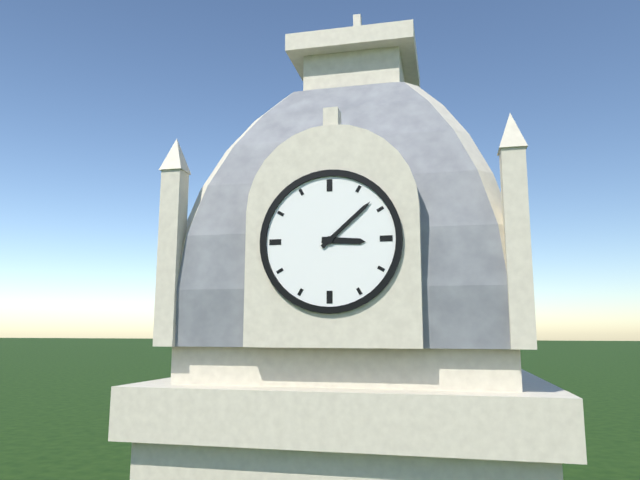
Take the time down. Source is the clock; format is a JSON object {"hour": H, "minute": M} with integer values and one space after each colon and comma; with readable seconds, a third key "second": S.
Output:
{"hour": 3, "minute": 8}
